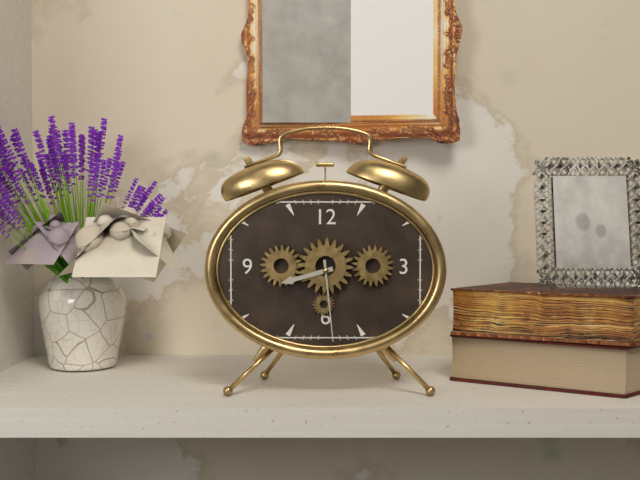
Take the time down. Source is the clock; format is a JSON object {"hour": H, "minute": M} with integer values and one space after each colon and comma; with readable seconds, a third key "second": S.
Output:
{"hour": 8, "minute": 29}
